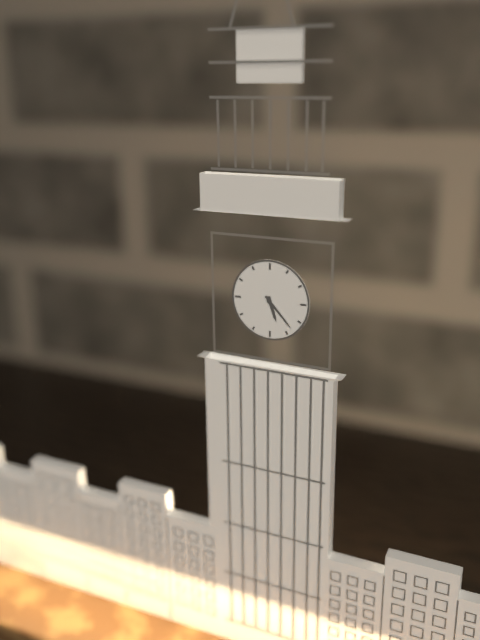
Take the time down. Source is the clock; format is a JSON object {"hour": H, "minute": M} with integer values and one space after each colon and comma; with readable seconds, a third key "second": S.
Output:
{"hour": 5, "minute": 23}
